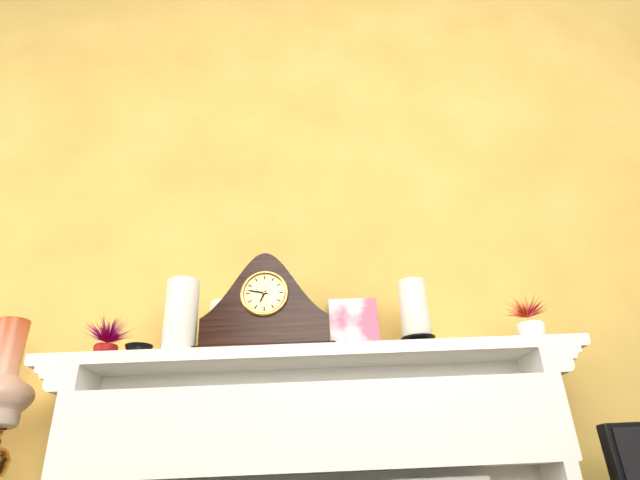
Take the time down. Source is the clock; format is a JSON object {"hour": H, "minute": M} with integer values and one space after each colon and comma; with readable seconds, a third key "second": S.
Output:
{"hour": 6, "minute": 47}
